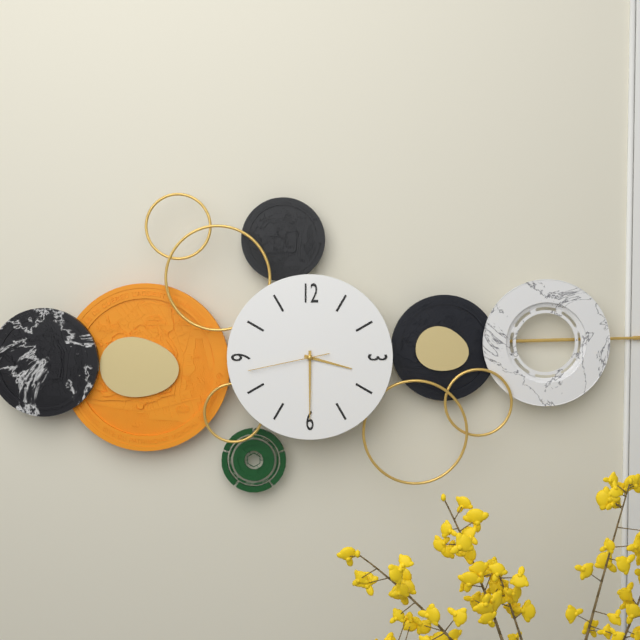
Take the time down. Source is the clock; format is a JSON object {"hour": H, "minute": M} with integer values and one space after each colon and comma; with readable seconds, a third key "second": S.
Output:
{"hour": 3, "minute": 30, "second": 43}
